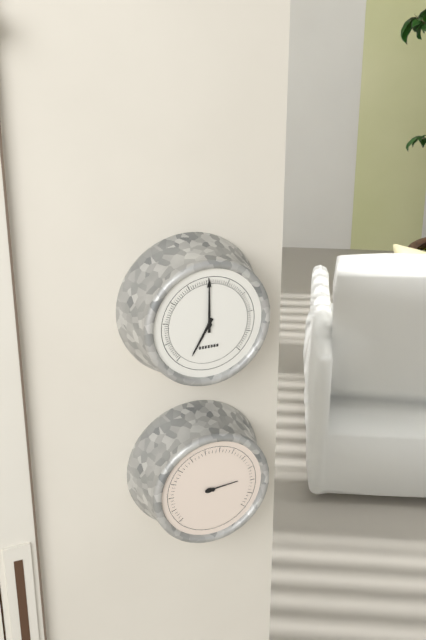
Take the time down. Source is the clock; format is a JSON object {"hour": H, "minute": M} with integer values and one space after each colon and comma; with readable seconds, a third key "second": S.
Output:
{"hour": 7, "minute": 0}
